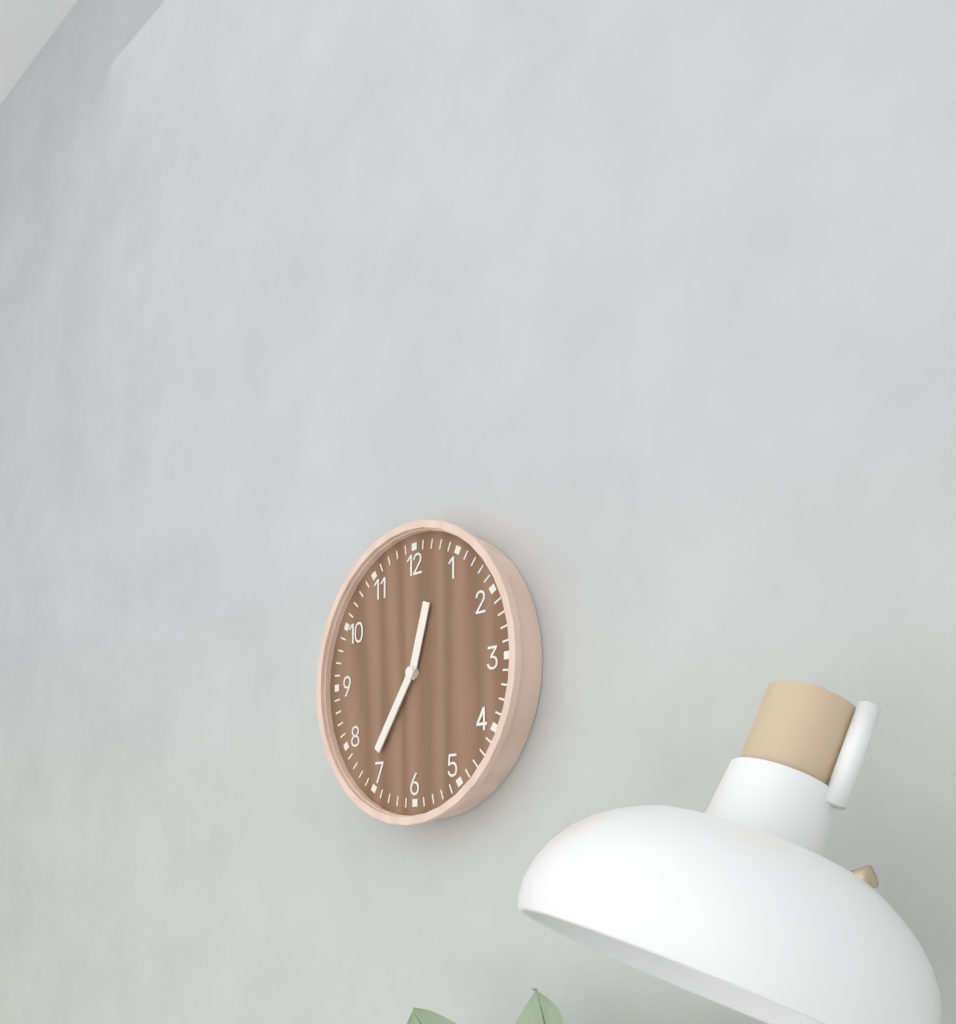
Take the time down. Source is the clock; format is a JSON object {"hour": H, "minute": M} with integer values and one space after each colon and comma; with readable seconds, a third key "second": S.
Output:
{"hour": 12, "minute": 36}
